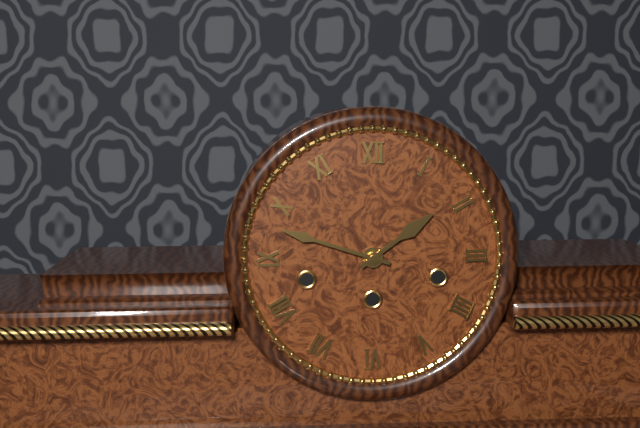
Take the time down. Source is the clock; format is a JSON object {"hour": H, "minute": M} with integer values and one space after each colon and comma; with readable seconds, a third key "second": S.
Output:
{"hour": 1, "minute": 48}
